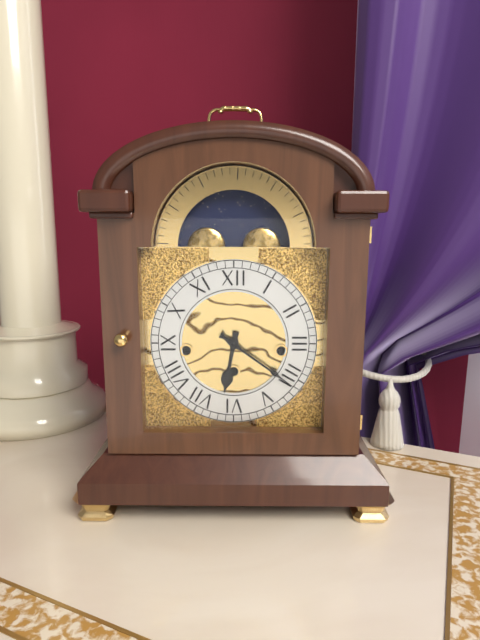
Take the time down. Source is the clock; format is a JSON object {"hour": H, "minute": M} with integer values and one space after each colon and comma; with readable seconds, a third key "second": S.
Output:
{"hour": 6, "minute": 21}
